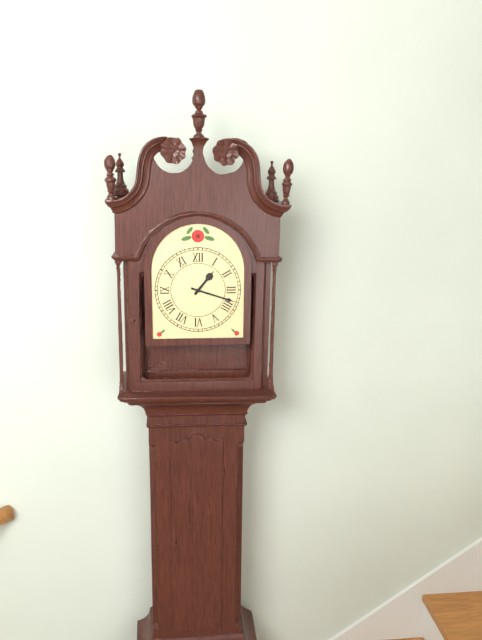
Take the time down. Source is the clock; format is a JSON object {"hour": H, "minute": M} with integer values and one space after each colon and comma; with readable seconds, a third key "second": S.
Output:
{"hour": 1, "minute": 18}
